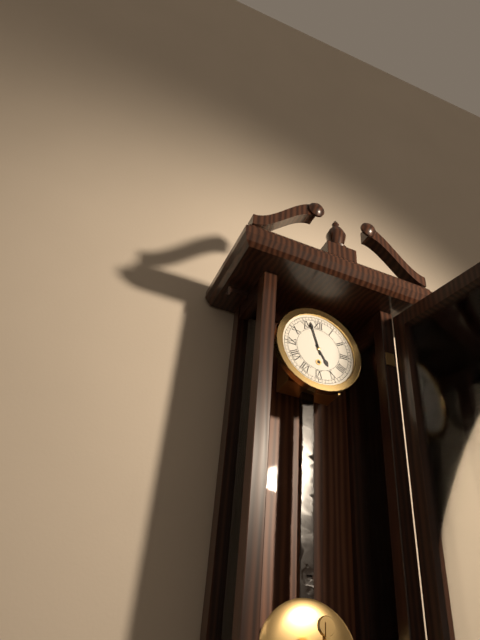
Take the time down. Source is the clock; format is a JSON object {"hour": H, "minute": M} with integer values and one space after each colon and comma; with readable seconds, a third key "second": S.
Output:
{"hour": 4, "minute": 57}
